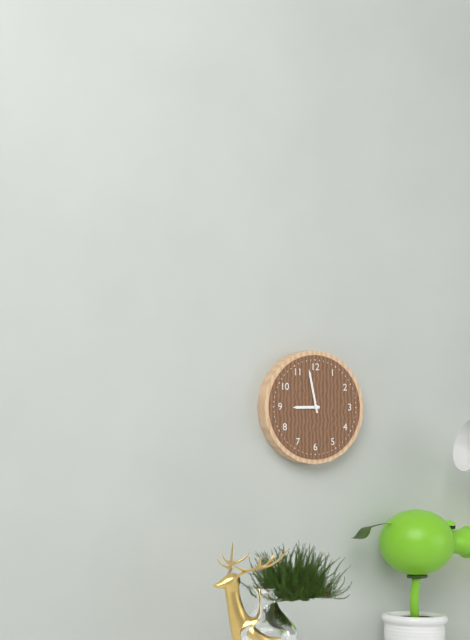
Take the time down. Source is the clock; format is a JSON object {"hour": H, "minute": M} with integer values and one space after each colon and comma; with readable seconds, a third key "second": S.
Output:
{"hour": 8, "minute": 58}
